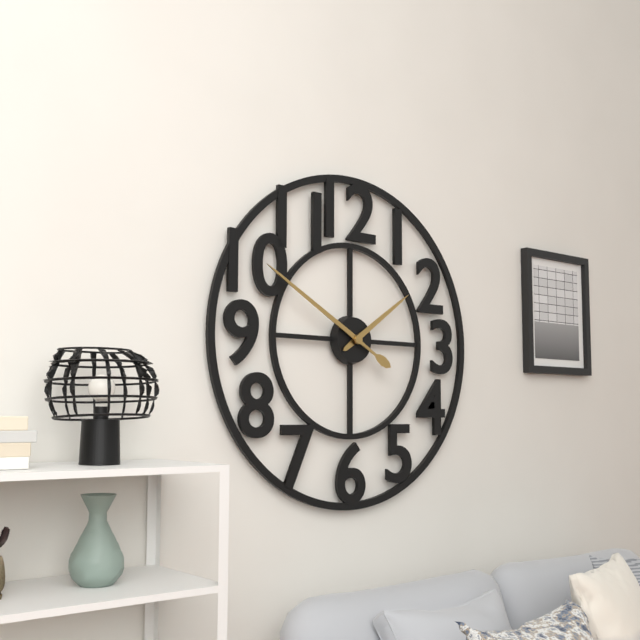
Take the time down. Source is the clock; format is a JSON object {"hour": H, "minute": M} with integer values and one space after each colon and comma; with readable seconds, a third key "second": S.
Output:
{"hour": 1, "minute": 50}
